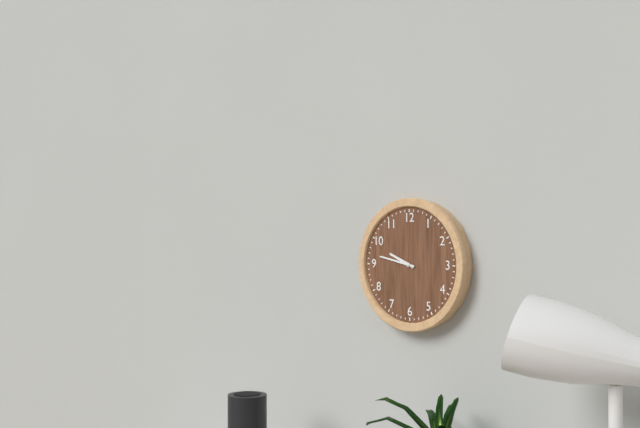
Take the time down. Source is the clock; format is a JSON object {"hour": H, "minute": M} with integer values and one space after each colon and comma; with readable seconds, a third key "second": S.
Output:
{"hour": 9, "minute": 47}
